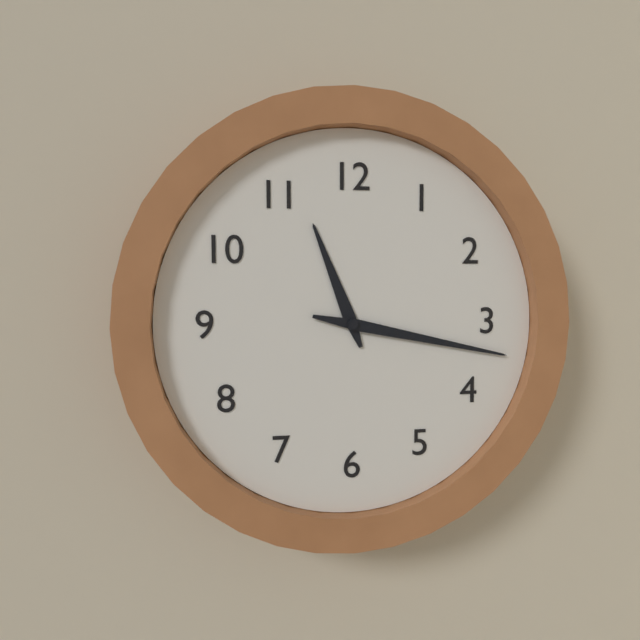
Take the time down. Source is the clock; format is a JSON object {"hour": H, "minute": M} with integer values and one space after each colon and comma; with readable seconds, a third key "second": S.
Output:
{"hour": 11, "minute": 17}
